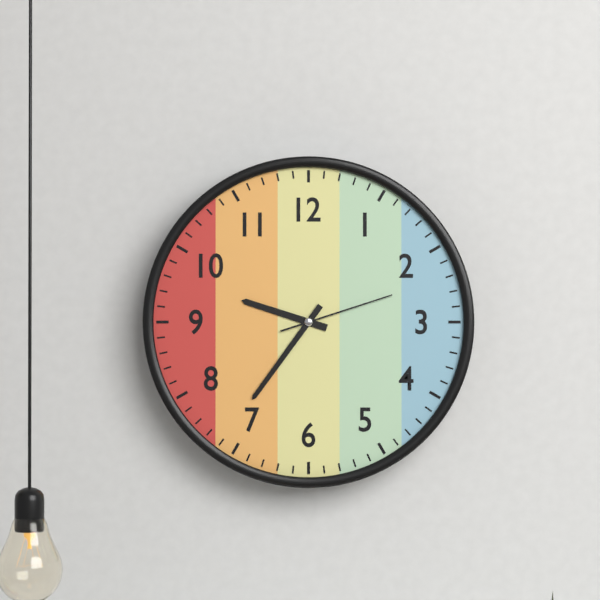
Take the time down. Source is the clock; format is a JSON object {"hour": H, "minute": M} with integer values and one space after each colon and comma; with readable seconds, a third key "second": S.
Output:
{"hour": 9, "minute": 36, "second": 12}
